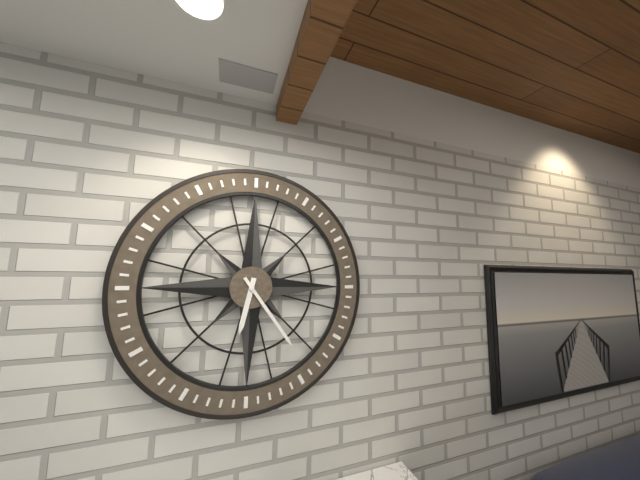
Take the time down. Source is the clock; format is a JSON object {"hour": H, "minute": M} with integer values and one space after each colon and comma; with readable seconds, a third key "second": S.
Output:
{"hour": 6, "minute": 24}
